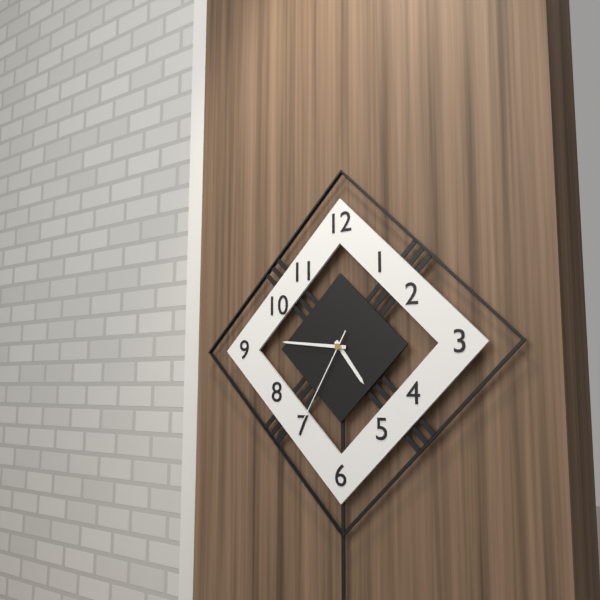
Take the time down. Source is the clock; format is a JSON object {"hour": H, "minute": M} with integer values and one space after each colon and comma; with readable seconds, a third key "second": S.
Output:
{"hour": 4, "minute": 46, "second": 35}
